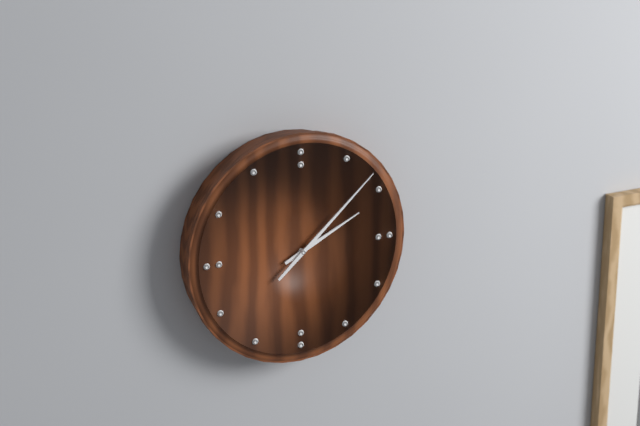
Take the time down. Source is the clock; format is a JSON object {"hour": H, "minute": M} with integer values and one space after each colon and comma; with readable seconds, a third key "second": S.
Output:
{"hour": 2, "minute": 8}
